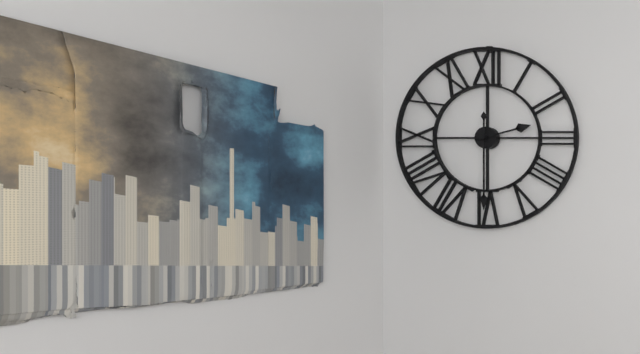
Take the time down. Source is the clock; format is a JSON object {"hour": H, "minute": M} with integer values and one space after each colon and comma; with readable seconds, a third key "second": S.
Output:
{"hour": 2, "minute": 30}
